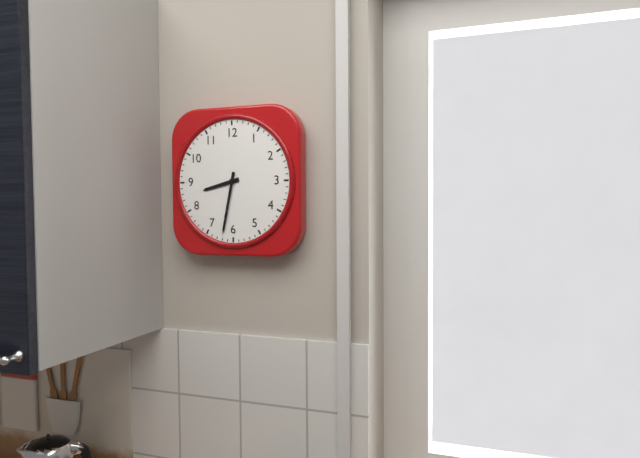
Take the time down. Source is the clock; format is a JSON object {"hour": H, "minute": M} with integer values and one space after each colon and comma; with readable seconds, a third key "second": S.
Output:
{"hour": 8, "minute": 32}
